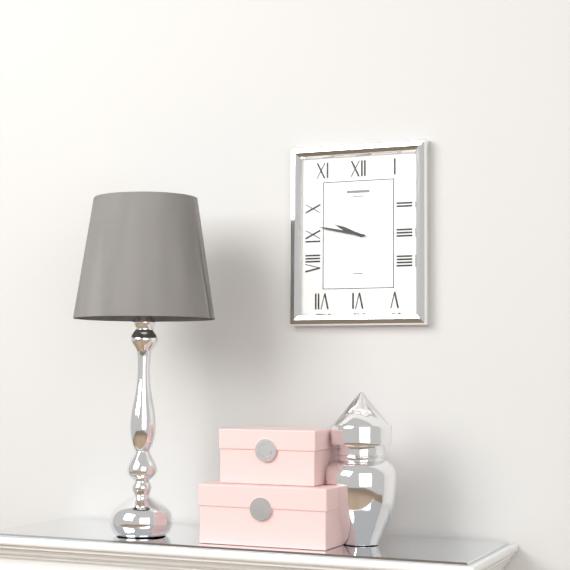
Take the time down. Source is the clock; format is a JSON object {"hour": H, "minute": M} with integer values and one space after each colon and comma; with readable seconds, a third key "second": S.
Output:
{"hour": 9, "minute": 47}
